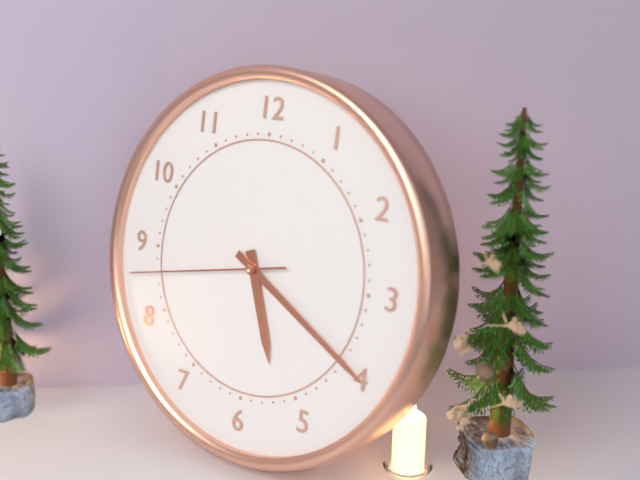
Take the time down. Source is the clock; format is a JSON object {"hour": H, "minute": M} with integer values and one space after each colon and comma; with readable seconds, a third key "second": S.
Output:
{"hour": 5, "minute": 20, "second": 43}
